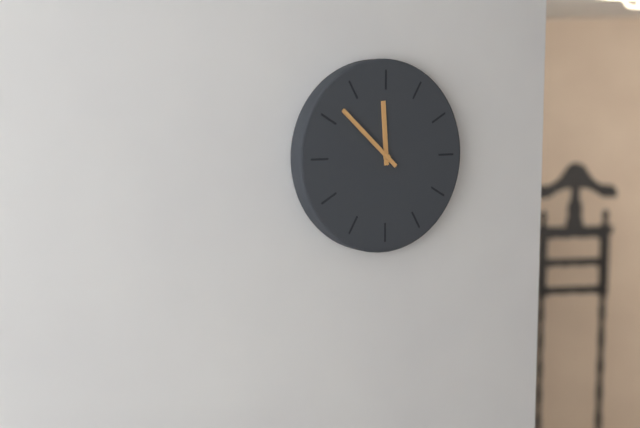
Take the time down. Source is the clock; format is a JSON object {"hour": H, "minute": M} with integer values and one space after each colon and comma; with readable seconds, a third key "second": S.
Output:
{"hour": 11, "minute": 52}
